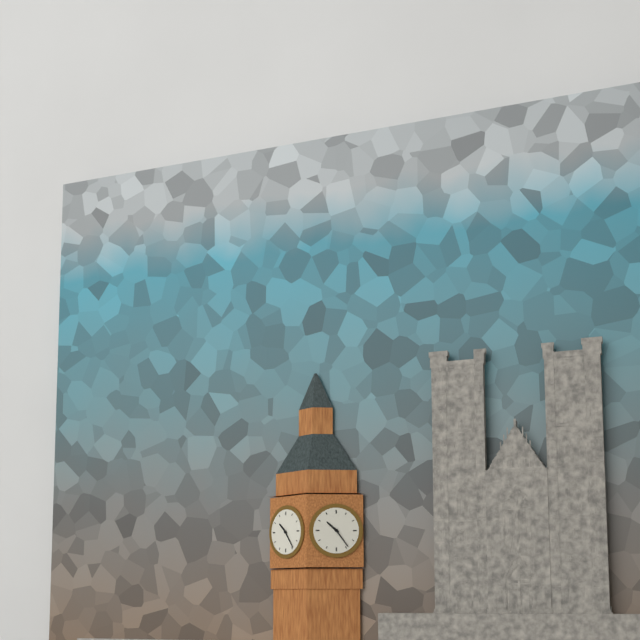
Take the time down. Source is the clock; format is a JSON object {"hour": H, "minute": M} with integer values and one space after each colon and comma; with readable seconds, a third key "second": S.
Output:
{"hour": 10, "minute": 24}
